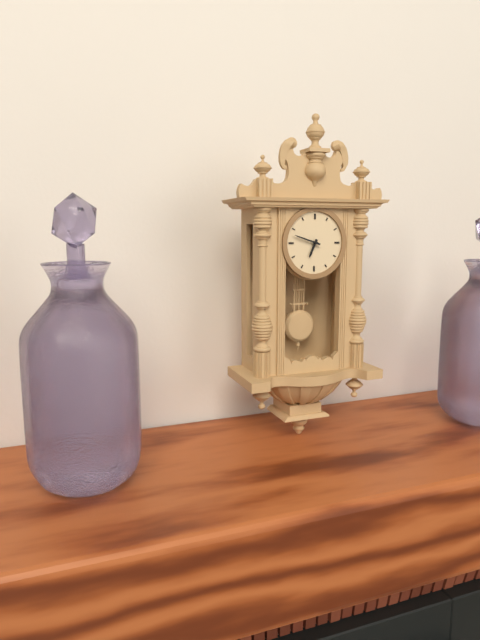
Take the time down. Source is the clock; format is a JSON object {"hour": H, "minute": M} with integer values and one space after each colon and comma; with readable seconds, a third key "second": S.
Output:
{"hour": 6, "minute": 48}
